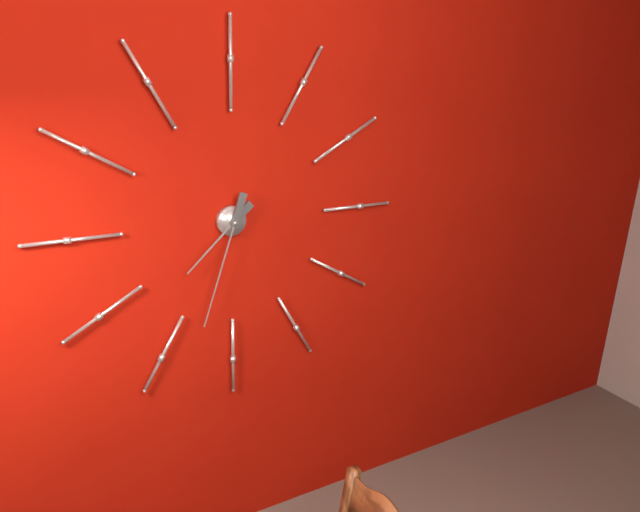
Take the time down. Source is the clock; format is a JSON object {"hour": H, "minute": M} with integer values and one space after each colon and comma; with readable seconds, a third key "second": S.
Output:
{"hour": 7, "minute": 33}
